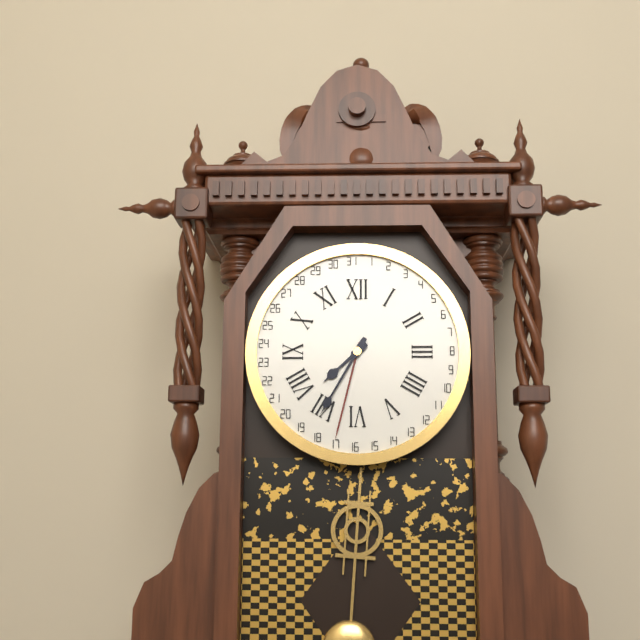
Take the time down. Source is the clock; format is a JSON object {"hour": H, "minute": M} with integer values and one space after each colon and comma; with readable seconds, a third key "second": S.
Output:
{"hour": 7, "minute": 35}
